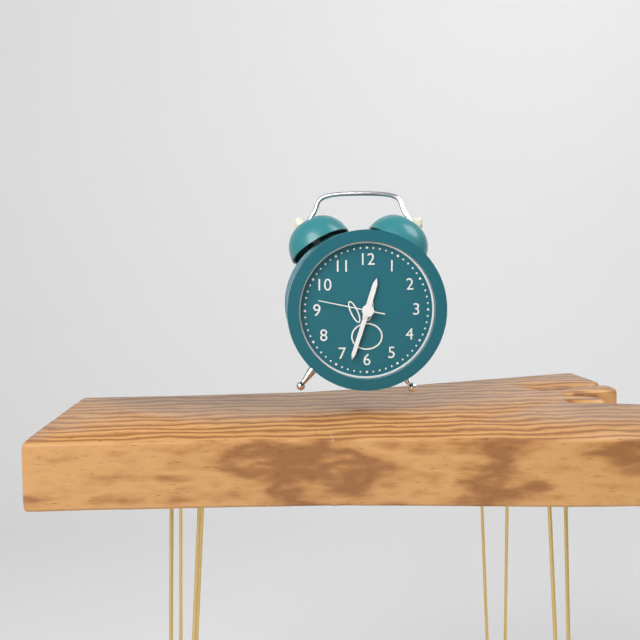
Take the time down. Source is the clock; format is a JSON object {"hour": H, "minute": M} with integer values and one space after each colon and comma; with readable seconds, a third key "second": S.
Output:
{"hour": 12, "minute": 33, "second": 47}
